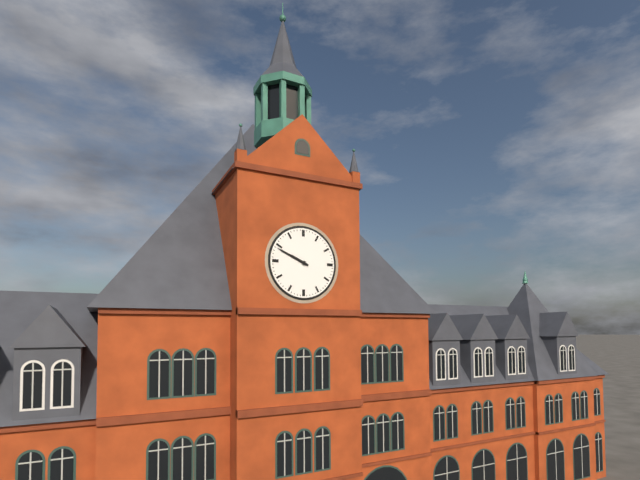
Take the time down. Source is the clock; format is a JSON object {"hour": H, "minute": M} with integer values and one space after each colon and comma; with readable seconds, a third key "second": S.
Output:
{"hour": 9, "minute": 49}
